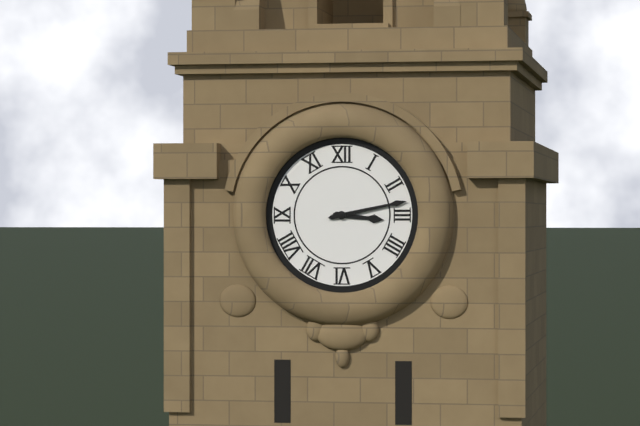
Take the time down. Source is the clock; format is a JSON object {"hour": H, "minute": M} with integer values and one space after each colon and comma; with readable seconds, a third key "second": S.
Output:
{"hour": 3, "minute": 13}
